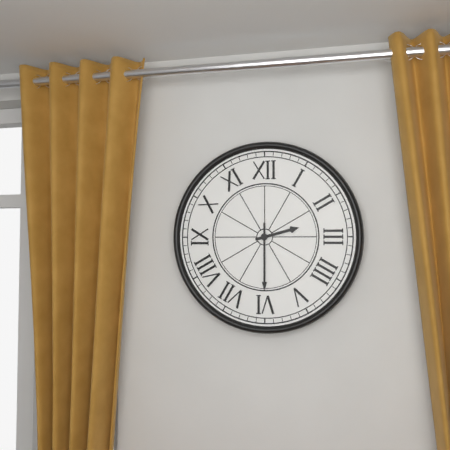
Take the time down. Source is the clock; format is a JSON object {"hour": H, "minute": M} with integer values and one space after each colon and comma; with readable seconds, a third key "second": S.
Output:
{"hour": 2, "minute": 30}
